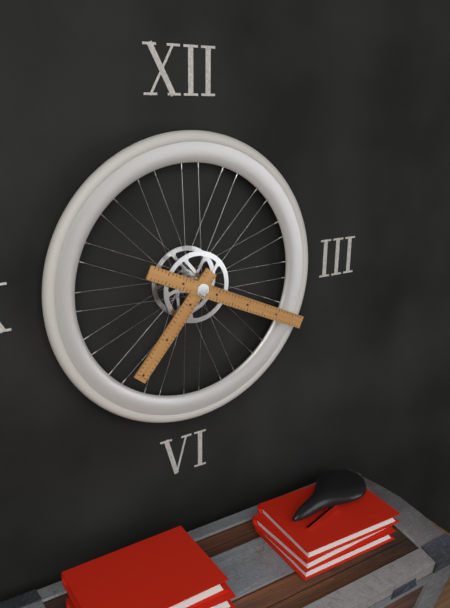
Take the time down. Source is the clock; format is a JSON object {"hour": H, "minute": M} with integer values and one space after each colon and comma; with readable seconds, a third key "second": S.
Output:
{"hour": 7, "minute": 19}
